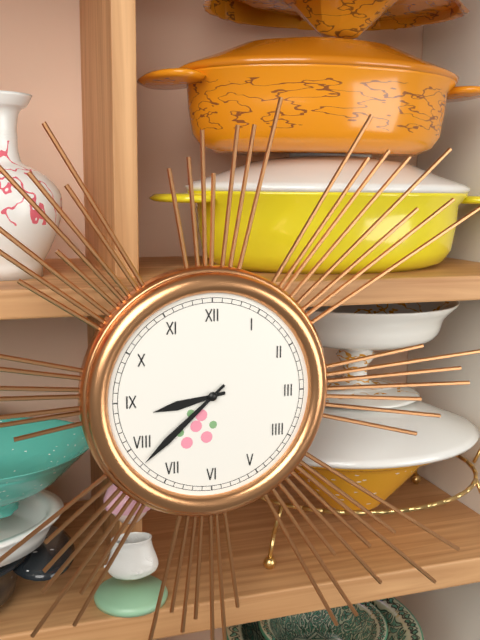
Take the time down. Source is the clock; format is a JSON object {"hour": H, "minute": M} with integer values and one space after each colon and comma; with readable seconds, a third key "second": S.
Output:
{"hour": 8, "minute": 38}
